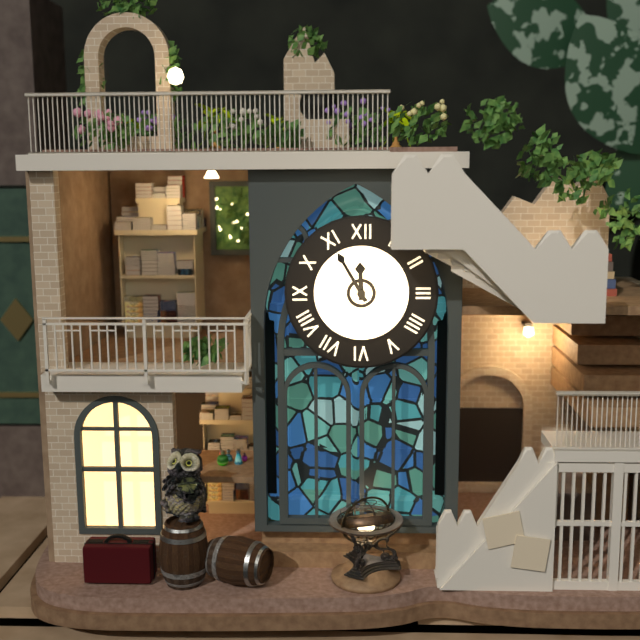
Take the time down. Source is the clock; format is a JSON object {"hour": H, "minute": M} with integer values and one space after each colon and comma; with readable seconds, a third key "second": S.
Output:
{"hour": 11, "minute": 55}
